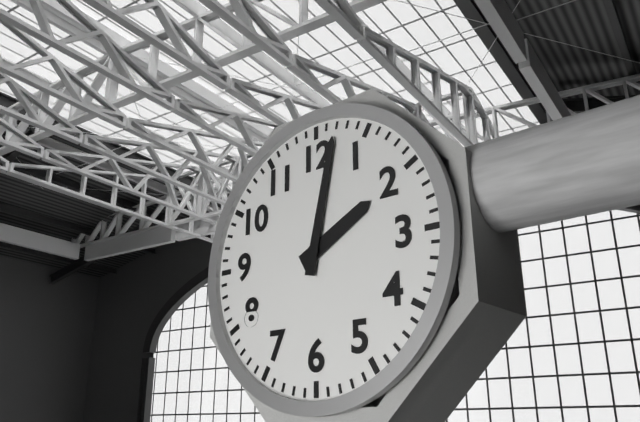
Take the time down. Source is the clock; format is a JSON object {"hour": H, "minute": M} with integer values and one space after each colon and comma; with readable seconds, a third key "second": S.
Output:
{"hour": 2, "minute": 2}
